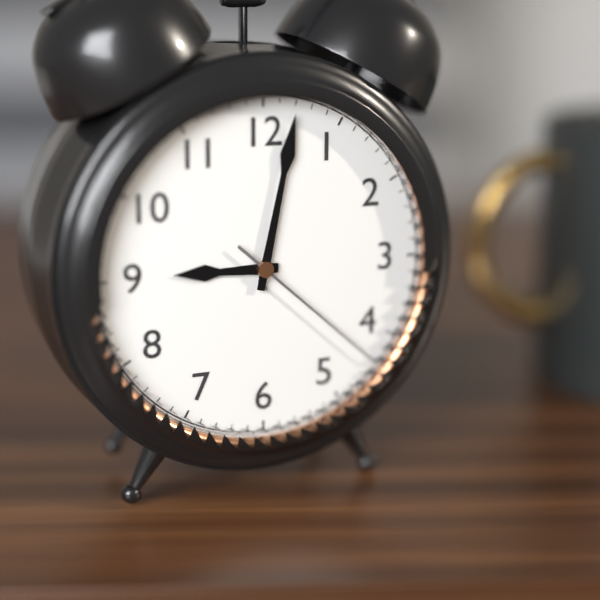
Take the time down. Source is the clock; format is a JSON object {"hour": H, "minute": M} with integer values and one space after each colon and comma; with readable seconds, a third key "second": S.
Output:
{"hour": 9, "minute": 2, "second": 22}
